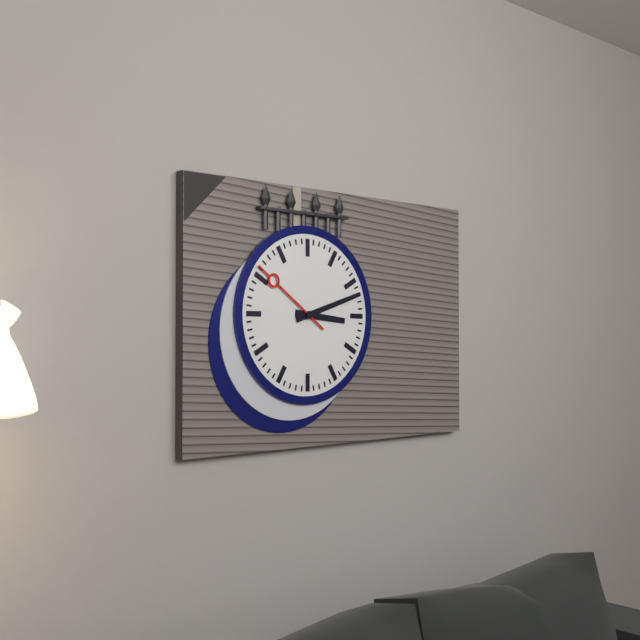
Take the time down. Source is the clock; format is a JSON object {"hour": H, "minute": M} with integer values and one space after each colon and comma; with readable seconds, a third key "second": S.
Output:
{"hour": 3, "minute": 12, "second": 51}
